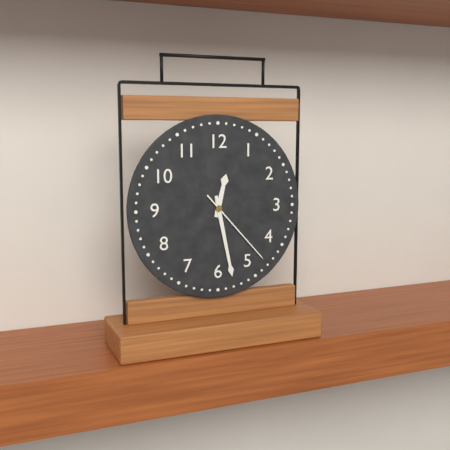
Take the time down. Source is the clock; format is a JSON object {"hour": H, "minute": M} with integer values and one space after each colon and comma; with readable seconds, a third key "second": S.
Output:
{"hour": 12, "minute": 28, "second": 23}
